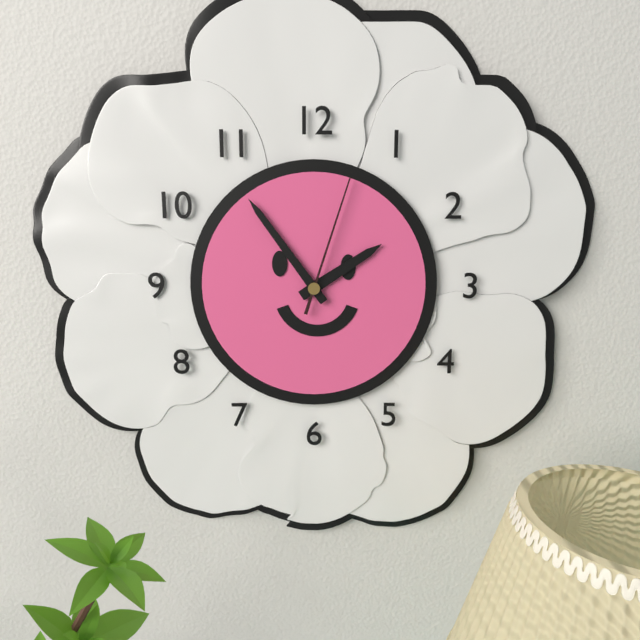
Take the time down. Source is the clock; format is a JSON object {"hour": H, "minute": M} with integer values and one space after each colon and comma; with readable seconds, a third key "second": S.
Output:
{"hour": 1, "minute": 54, "second": 3}
